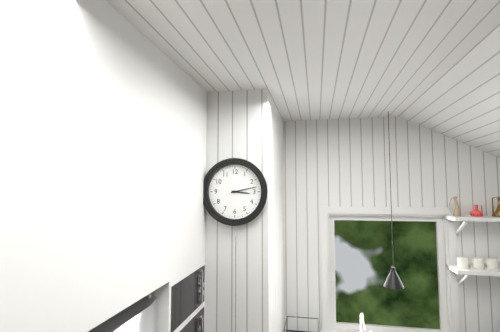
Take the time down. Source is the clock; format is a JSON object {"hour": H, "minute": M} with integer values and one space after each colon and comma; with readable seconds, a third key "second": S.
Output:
{"hour": 3, "minute": 13}
